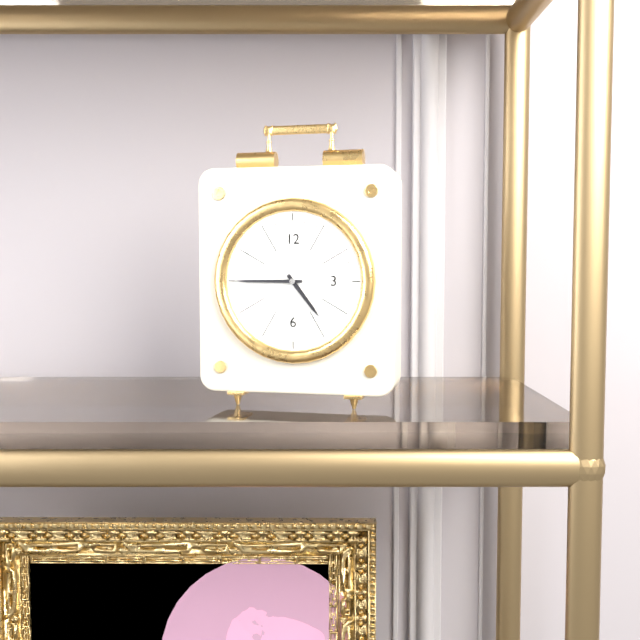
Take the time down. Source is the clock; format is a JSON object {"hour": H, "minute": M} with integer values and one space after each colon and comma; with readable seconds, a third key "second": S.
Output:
{"hour": 4, "minute": 45}
